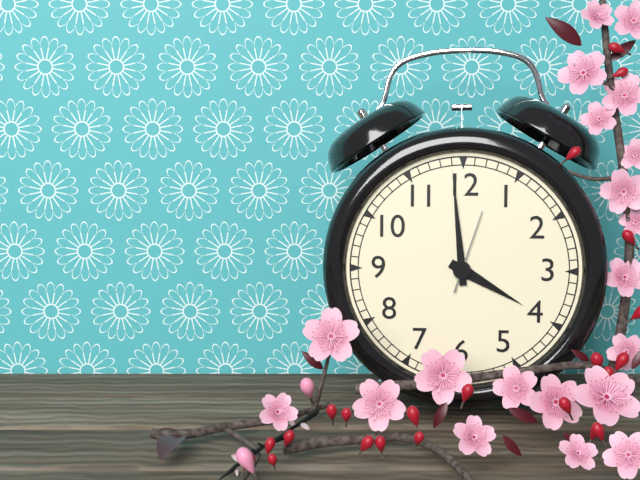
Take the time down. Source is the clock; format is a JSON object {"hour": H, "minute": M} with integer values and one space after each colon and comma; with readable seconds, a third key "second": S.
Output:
{"hour": 3, "minute": 59, "second": 3}
